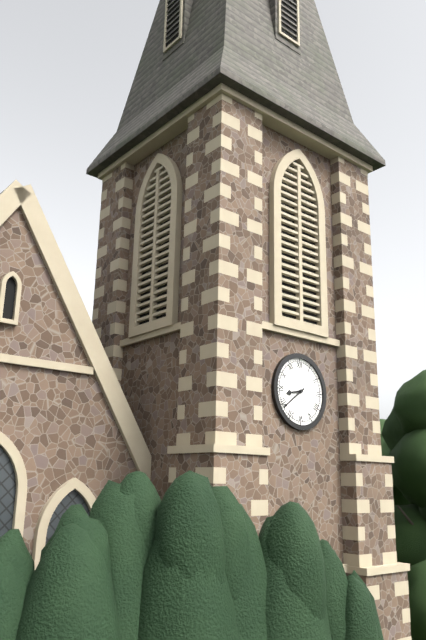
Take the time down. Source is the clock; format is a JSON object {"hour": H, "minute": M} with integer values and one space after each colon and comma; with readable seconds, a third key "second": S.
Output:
{"hour": 8, "minute": 39}
